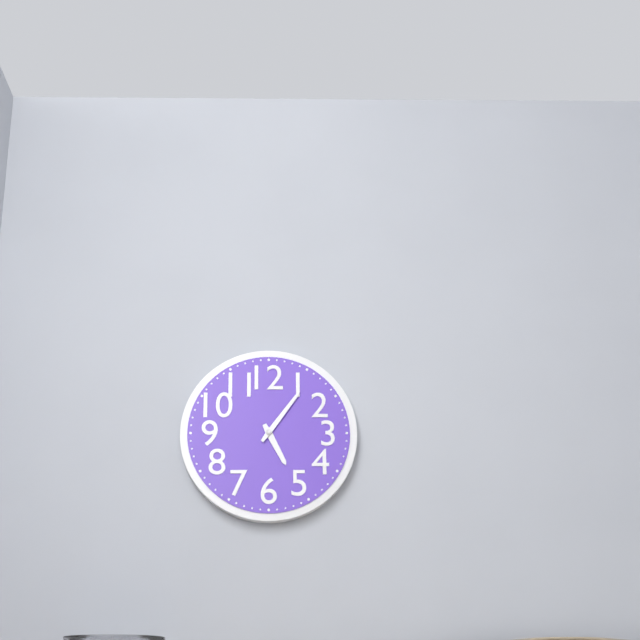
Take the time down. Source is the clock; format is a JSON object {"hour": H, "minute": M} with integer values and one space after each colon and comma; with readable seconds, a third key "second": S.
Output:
{"hour": 5, "minute": 6}
